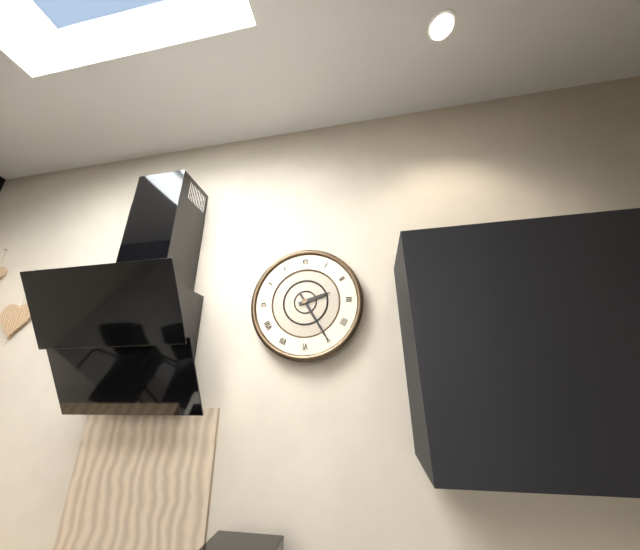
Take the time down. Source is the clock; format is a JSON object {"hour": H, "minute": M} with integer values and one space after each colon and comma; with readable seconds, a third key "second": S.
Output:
{"hour": 2, "minute": 25}
